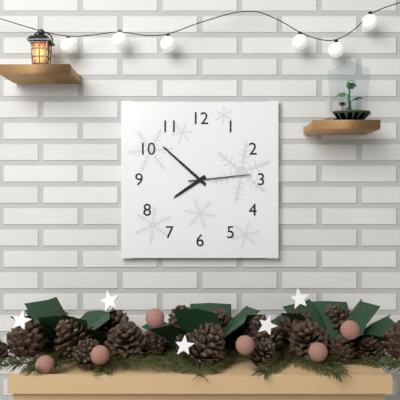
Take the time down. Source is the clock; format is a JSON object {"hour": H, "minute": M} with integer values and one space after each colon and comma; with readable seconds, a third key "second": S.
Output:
{"hour": 7, "minute": 52, "second": 14}
